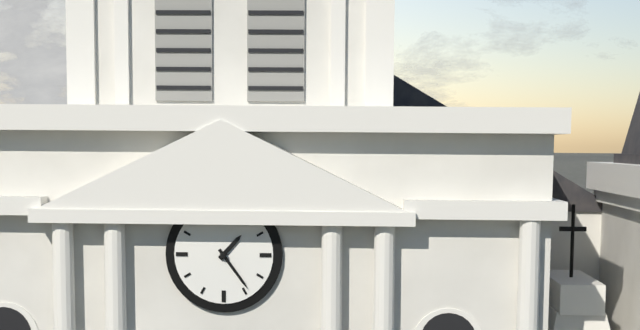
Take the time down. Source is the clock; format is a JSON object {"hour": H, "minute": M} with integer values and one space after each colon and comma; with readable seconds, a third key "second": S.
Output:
{"hour": 1, "minute": 24}
